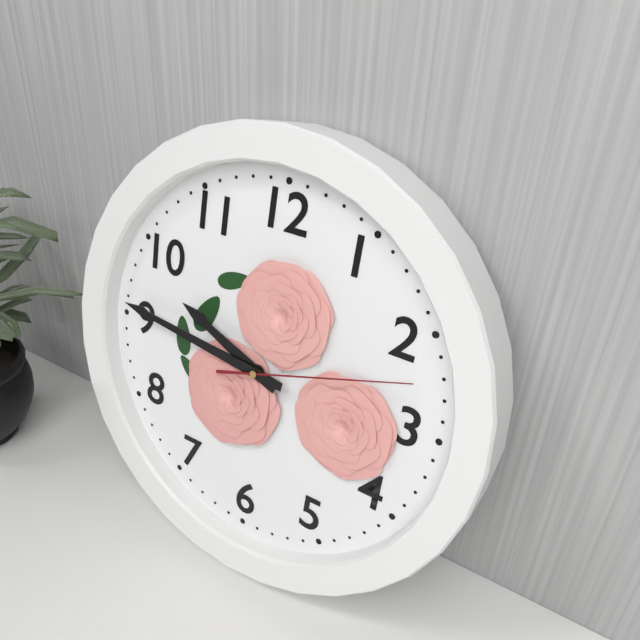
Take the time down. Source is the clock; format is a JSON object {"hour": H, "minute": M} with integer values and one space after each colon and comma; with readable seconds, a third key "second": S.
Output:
{"hour": 9, "minute": 46, "second": 12}
